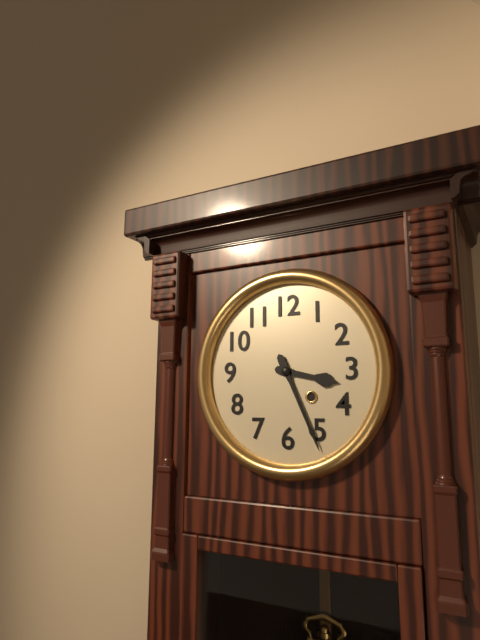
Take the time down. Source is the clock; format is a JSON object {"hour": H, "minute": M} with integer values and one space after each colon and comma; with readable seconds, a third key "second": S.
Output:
{"hour": 3, "minute": 26}
